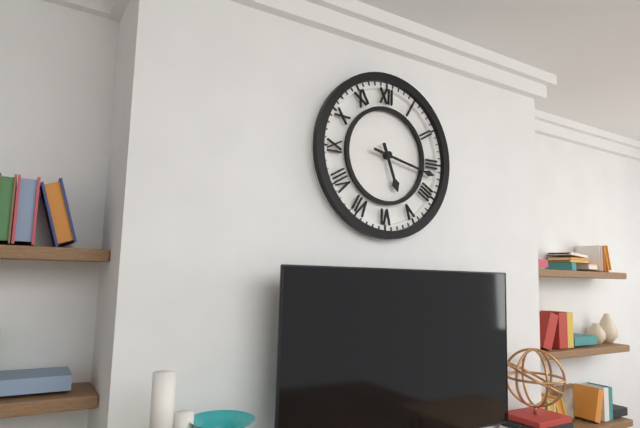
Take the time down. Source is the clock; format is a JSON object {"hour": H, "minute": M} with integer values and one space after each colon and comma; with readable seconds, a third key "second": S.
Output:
{"hour": 5, "minute": 17}
